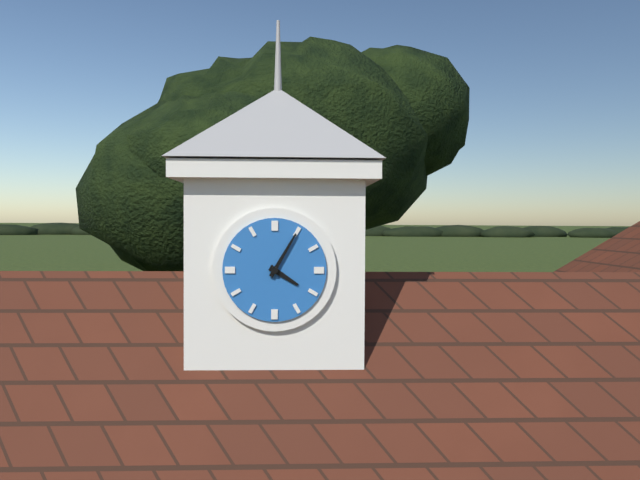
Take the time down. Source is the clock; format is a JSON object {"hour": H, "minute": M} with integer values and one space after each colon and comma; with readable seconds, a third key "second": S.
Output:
{"hour": 4, "minute": 5}
